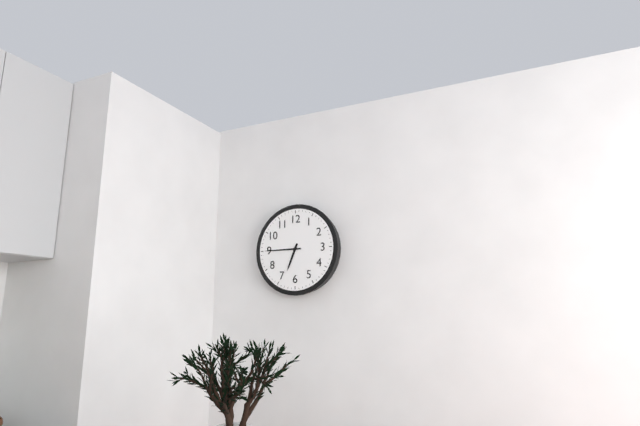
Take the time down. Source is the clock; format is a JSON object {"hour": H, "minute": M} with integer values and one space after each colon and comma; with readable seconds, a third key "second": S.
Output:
{"hour": 6, "minute": 45}
